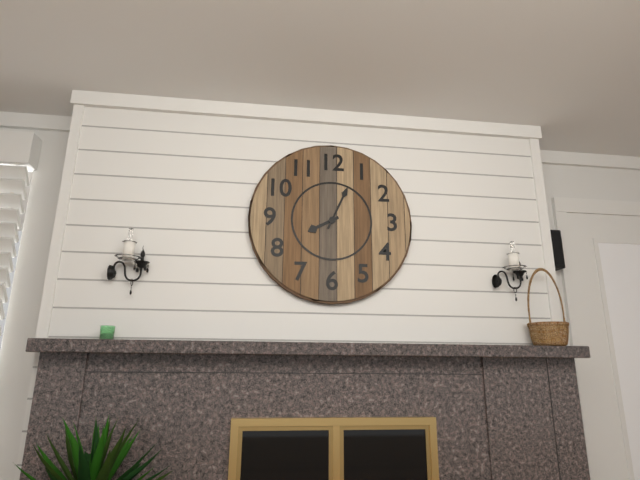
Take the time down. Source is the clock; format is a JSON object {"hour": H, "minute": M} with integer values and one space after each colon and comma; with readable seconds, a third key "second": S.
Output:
{"hour": 8, "minute": 4}
